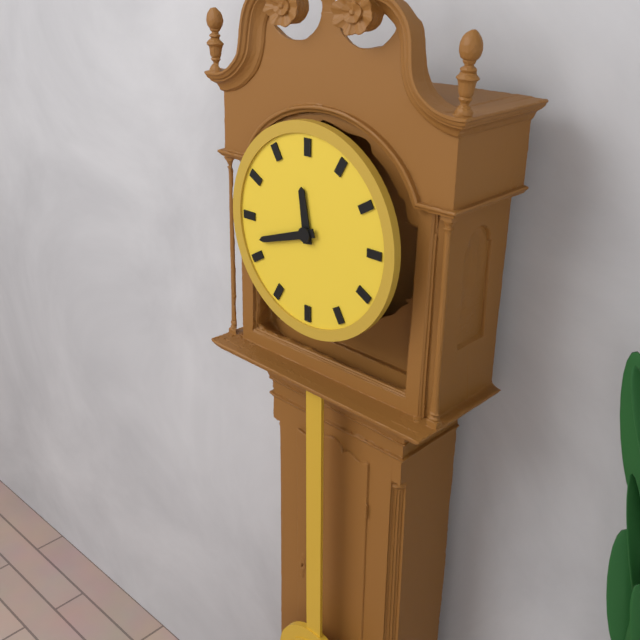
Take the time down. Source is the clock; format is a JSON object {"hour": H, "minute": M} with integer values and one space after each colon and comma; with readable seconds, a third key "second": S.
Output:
{"hour": 11, "minute": 42}
